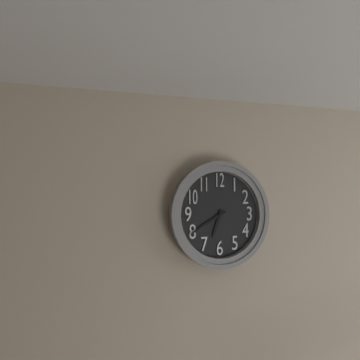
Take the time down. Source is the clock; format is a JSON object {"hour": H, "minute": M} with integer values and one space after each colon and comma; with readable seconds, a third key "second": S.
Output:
{"hour": 6, "minute": 40}
